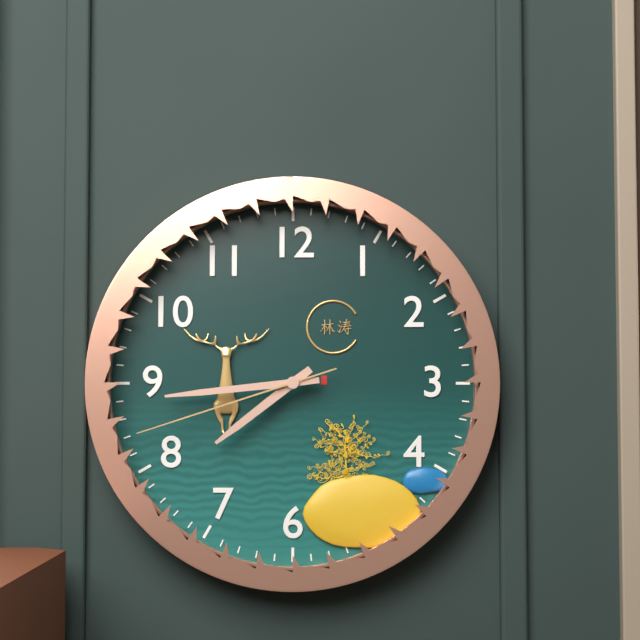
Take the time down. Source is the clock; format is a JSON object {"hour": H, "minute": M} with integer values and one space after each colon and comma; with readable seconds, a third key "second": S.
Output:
{"hour": 7, "minute": 44, "second": 42}
